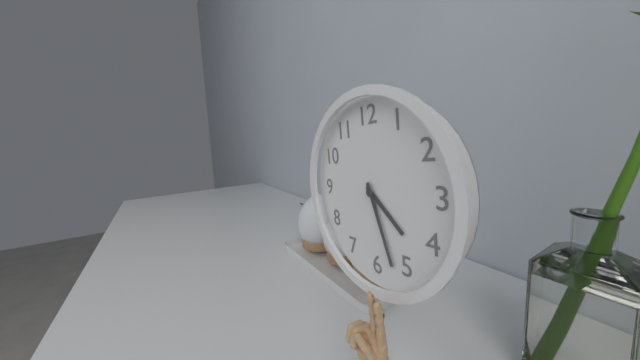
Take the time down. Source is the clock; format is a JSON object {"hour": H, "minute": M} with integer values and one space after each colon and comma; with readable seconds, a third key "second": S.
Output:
{"hour": 4, "minute": 27}
